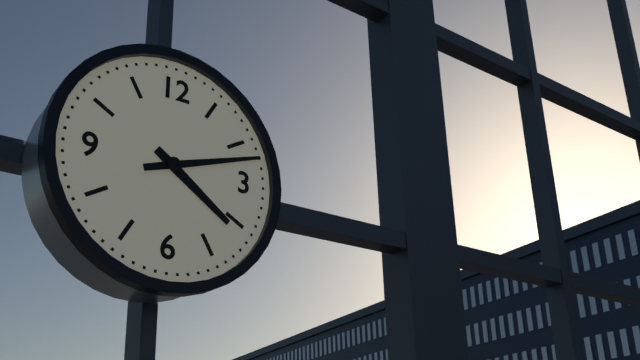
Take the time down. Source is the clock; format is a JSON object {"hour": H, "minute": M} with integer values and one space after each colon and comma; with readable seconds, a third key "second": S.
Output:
{"hour": 4, "minute": 12}
